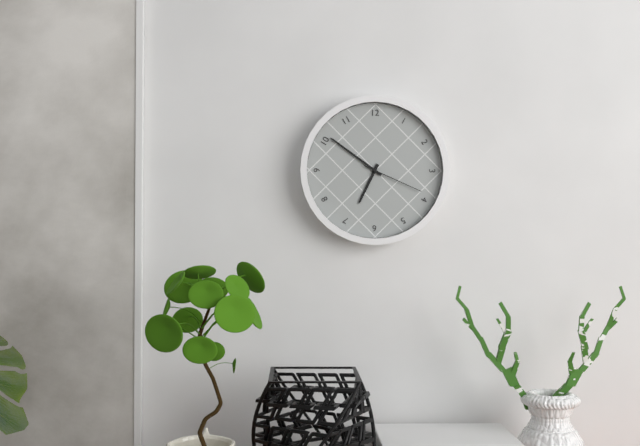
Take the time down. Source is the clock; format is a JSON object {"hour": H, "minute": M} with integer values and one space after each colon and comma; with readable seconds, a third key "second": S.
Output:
{"hour": 6, "minute": 51, "second": 19}
